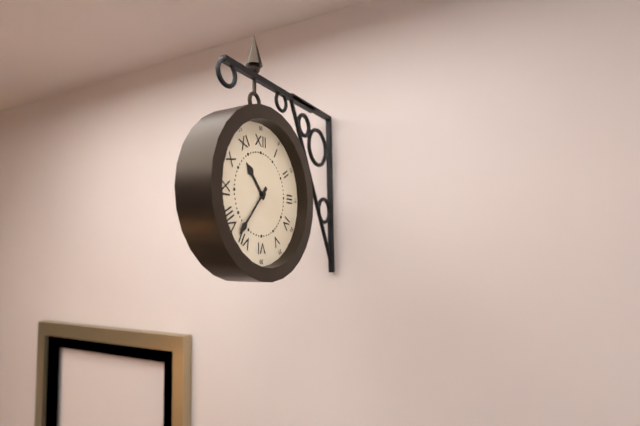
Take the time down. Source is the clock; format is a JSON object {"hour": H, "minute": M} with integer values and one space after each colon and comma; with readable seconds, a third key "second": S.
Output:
{"hour": 10, "minute": 37}
